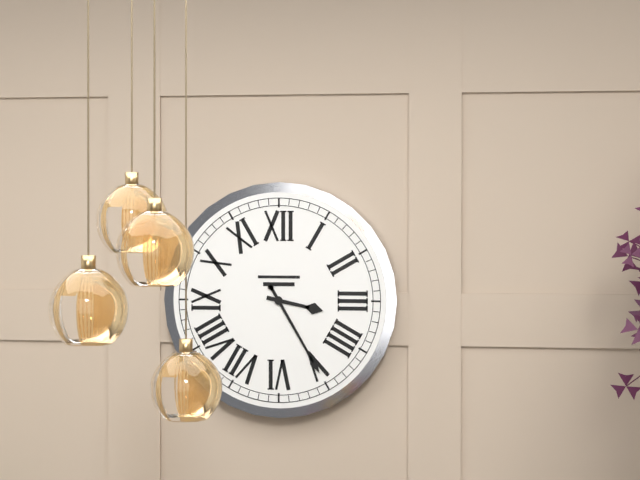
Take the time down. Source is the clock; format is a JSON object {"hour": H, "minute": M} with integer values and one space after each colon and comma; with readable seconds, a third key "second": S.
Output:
{"hour": 3, "minute": 25}
